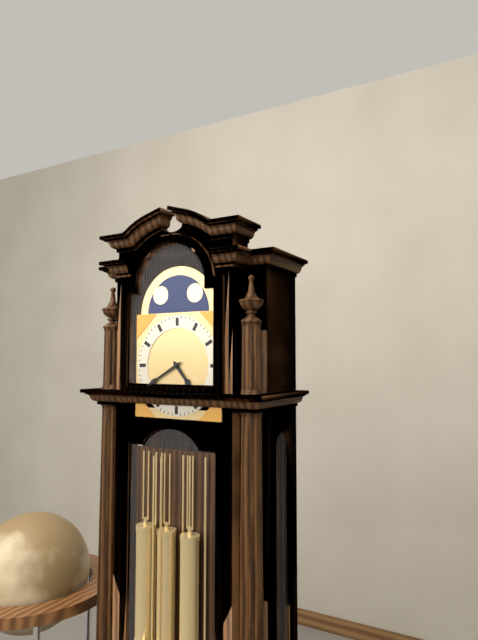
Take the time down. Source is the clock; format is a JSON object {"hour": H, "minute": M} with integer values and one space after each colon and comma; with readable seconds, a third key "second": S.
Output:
{"hour": 4, "minute": 40}
